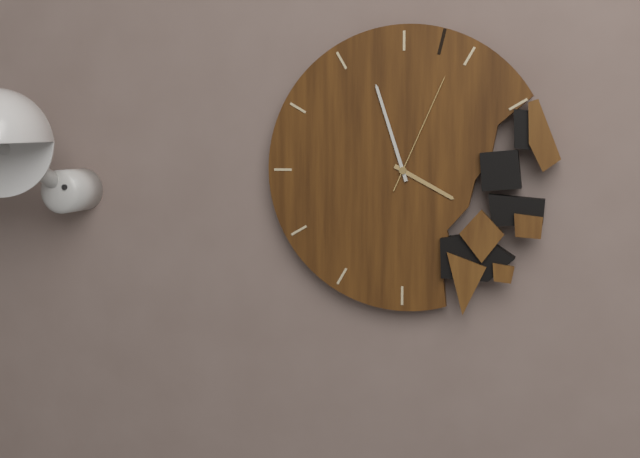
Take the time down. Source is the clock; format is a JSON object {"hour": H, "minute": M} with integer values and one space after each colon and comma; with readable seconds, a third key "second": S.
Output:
{"hour": 3, "minute": 57, "second": 4}
